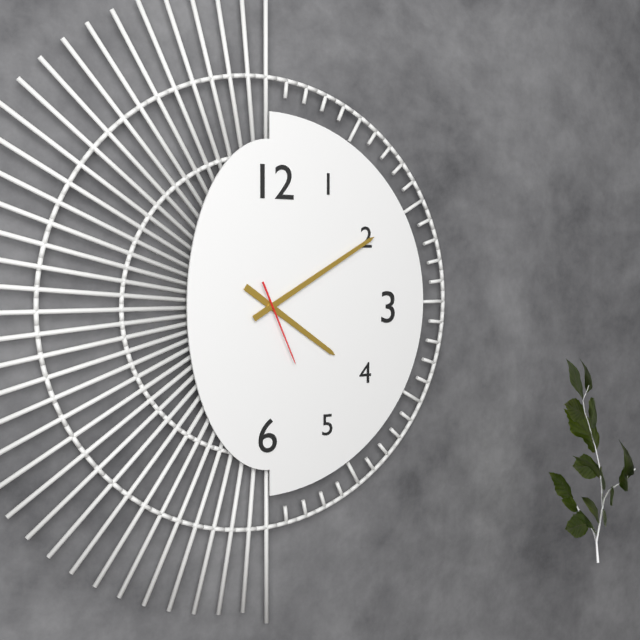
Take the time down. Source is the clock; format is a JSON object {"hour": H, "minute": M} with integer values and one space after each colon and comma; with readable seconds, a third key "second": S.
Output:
{"hour": 4, "minute": 10, "second": 26}
